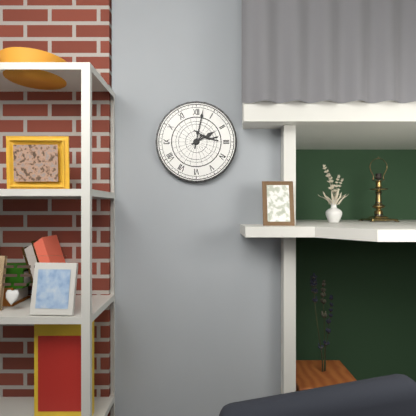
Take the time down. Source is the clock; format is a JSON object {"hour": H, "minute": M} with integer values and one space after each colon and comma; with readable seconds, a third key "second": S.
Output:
{"hour": 2, "minute": 2}
